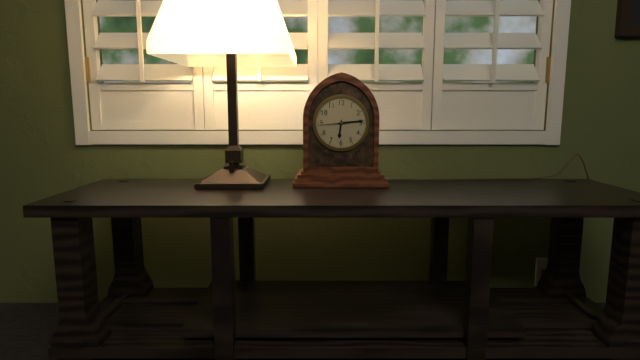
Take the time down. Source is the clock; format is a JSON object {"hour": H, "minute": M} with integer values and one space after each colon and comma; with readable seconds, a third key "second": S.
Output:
{"hour": 6, "minute": 14}
